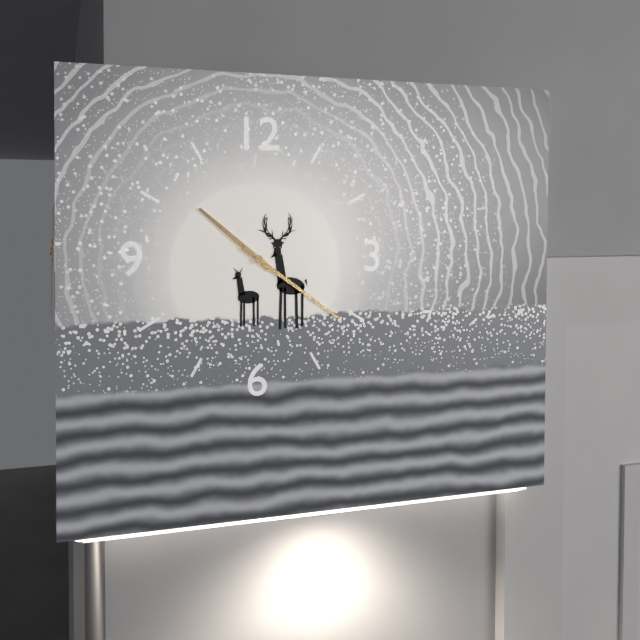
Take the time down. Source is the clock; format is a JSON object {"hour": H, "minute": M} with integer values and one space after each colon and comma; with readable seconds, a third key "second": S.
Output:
{"hour": 10, "minute": 21}
